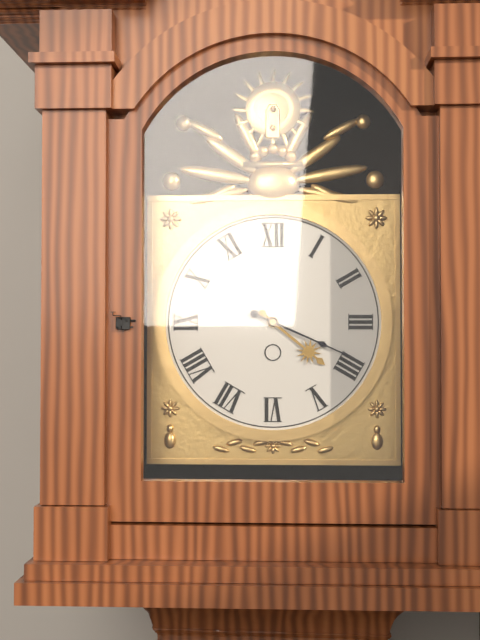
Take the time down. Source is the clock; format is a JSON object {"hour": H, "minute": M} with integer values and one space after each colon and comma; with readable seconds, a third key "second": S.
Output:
{"hour": 4, "minute": 19}
